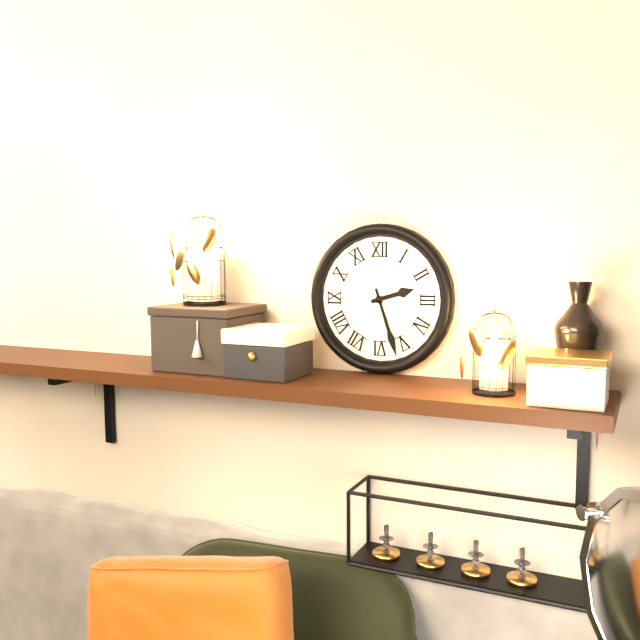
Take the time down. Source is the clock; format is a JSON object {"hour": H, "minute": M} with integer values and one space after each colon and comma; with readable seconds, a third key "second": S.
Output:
{"hour": 2, "minute": 27}
